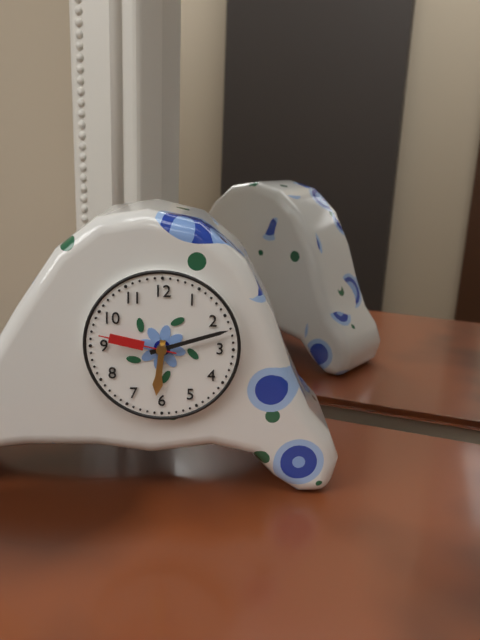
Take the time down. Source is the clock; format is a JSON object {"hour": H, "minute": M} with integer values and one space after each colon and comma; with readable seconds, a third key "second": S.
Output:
{"hour": 6, "minute": 12, "second": 47}
